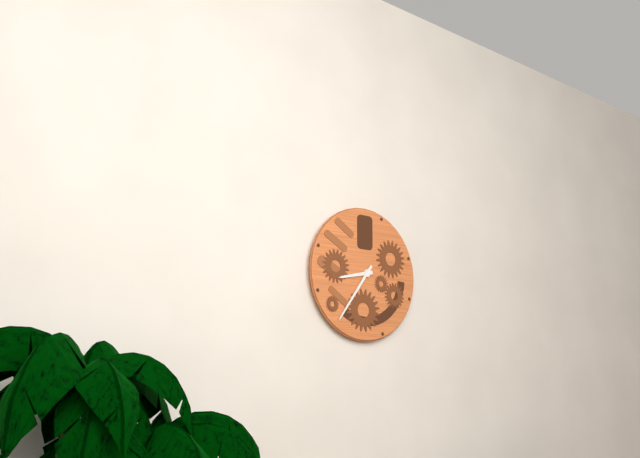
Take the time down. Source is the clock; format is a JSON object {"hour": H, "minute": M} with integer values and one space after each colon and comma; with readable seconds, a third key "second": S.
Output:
{"hour": 8, "minute": 36}
